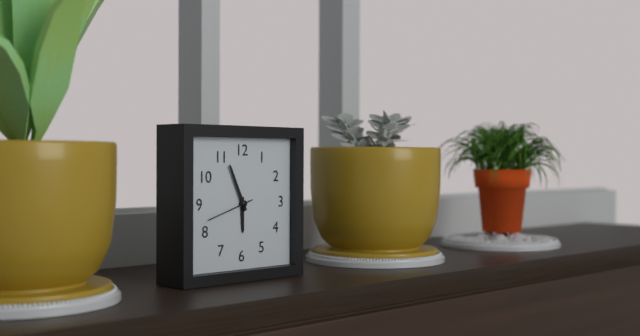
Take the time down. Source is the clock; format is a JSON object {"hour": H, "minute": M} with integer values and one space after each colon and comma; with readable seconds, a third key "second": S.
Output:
{"hour": 5, "minute": 56, "second": 42}
